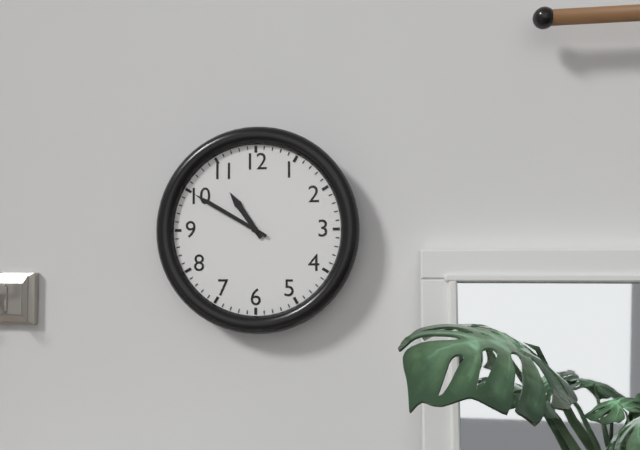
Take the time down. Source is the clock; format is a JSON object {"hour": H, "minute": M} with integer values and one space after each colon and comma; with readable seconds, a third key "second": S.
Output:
{"hour": 10, "minute": 50}
